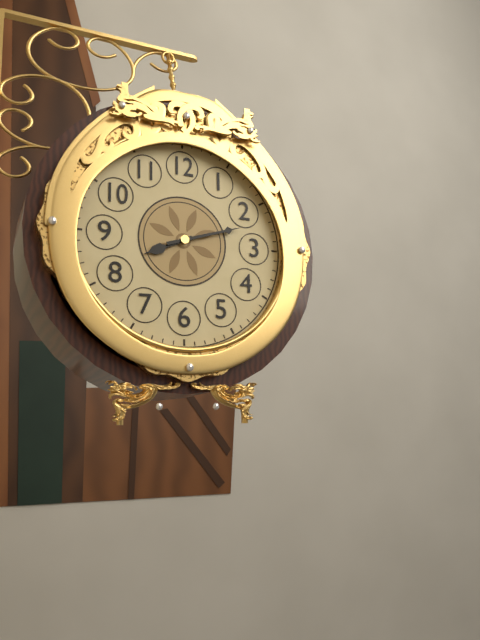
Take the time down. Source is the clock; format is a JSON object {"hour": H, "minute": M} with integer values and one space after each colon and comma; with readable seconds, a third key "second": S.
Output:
{"hour": 8, "minute": 12}
